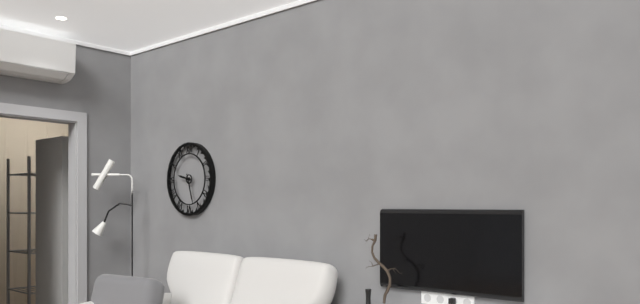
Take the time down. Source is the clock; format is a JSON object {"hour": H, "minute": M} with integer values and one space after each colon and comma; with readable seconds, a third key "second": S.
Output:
{"hour": 9, "minute": 27}
